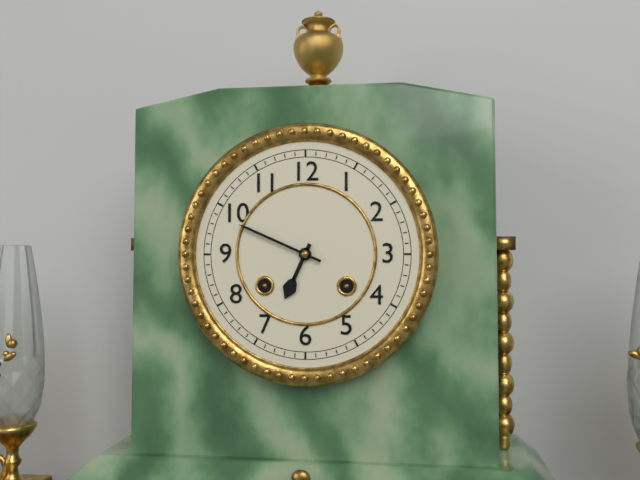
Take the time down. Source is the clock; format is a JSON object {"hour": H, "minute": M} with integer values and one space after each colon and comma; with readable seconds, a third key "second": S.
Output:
{"hour": 6, "minute": 49}
